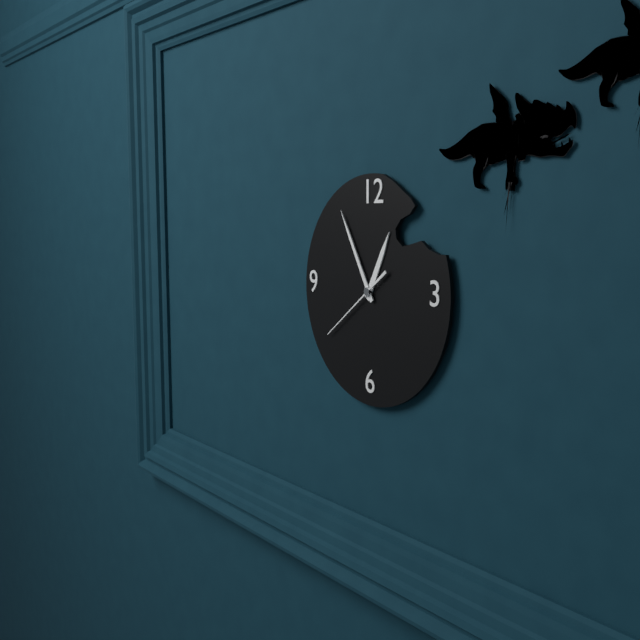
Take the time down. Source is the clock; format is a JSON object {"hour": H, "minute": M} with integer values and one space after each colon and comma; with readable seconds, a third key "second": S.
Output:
{"hour": 12, "minute": 55, "second": 39}
